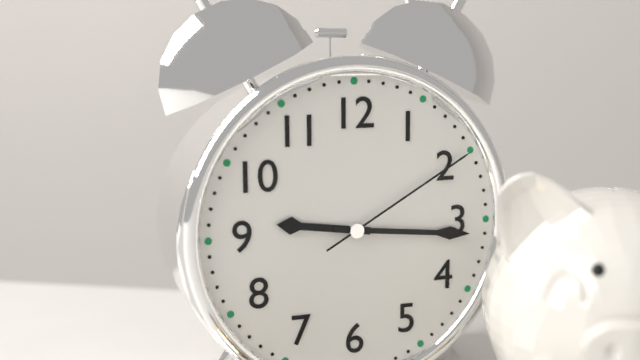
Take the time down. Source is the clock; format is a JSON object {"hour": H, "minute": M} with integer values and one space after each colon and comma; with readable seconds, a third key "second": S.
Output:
{"hour": 9, "minute": 16, "second": 10}
